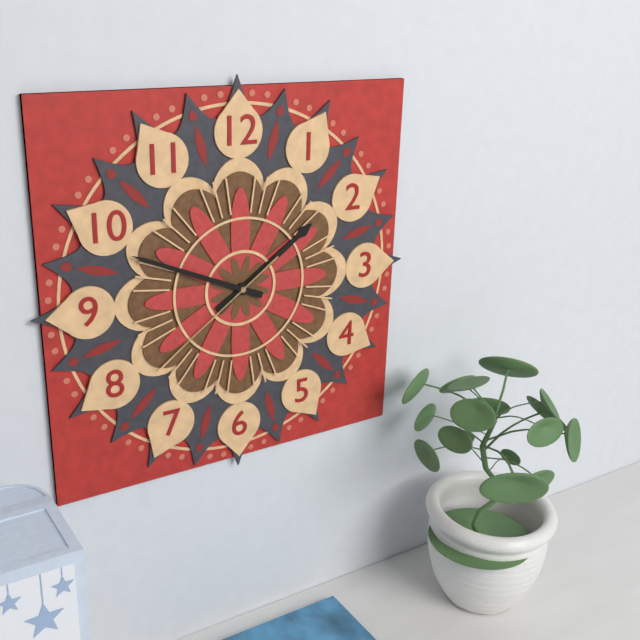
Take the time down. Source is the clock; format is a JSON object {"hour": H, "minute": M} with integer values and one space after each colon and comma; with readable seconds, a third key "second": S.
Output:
{"hour": 1, "minute": 49, "second": 39}
